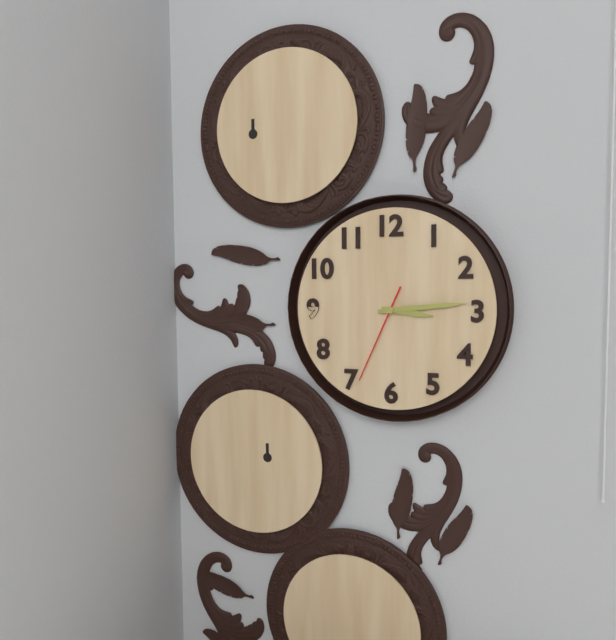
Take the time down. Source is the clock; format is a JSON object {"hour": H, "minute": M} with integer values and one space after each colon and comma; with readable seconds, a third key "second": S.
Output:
{"hour": 3, "minute": 14, "second": 34}
